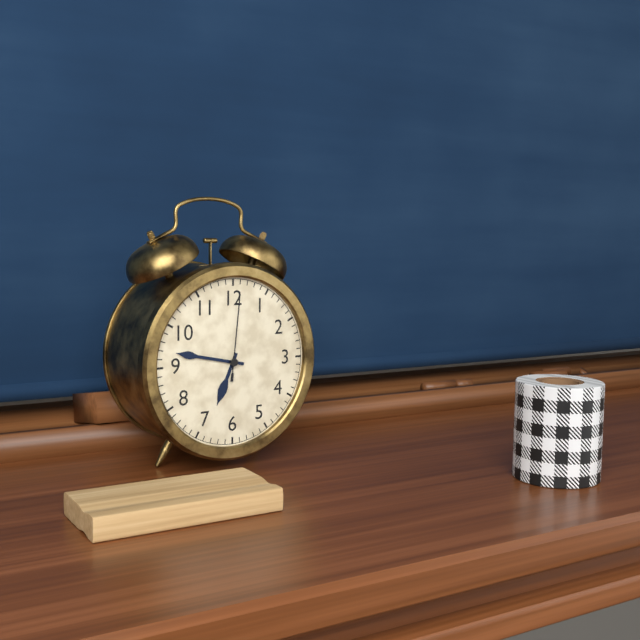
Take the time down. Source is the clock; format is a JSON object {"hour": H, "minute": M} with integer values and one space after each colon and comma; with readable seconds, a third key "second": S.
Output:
{"hour": 6, "minute": 47, "second": 1}
